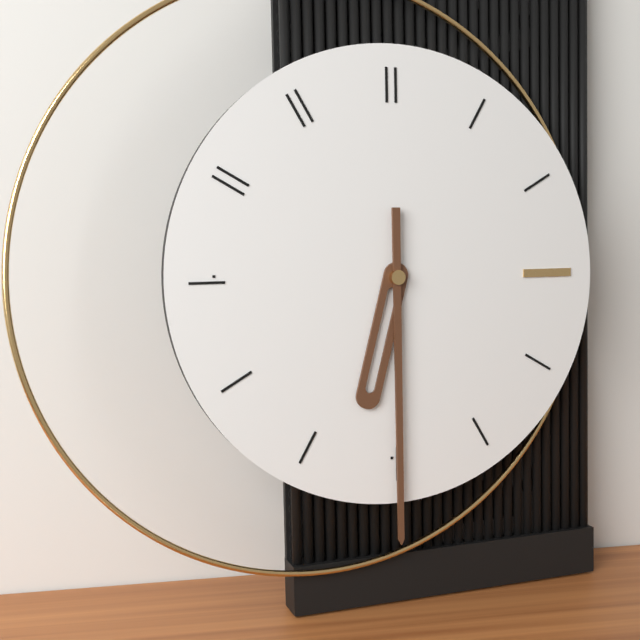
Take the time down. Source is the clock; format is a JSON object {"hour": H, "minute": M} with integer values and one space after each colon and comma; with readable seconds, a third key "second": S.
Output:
{"hour": 6, "minute": 30}
